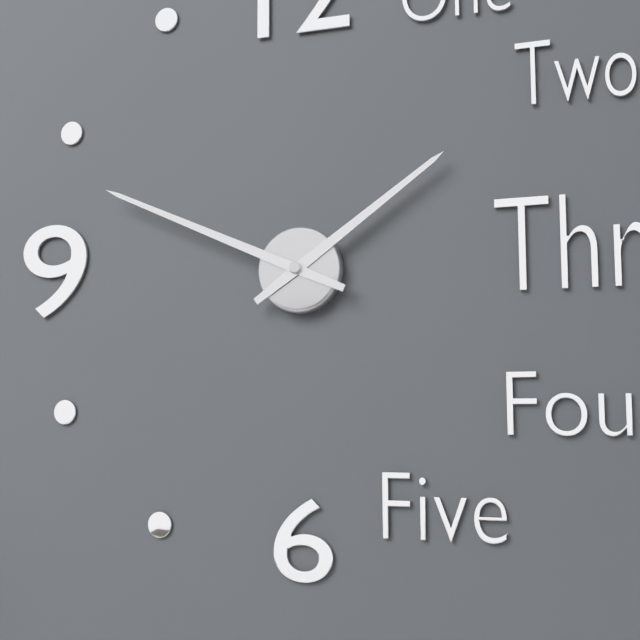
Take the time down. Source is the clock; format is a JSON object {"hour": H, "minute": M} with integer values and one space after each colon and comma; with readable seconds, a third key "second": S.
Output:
{"hour": 1, "minute": 49}
